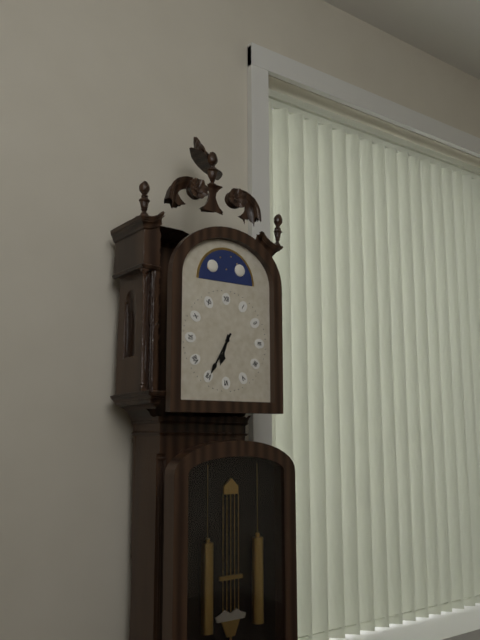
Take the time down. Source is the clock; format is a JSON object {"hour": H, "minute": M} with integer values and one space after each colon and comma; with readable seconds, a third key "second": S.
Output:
{"hour": 6, "minute": 35}
